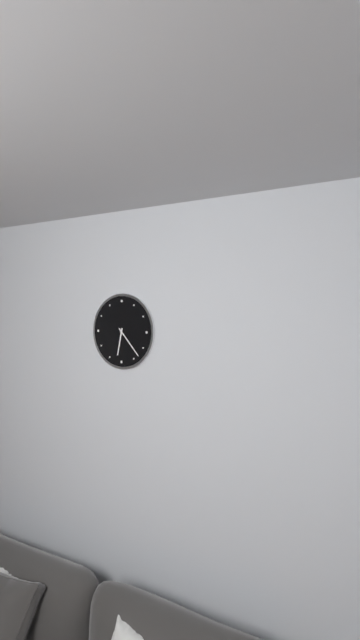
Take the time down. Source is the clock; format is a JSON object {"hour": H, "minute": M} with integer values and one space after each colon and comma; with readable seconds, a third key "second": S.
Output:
{"hour": 6, "minute": 23}
